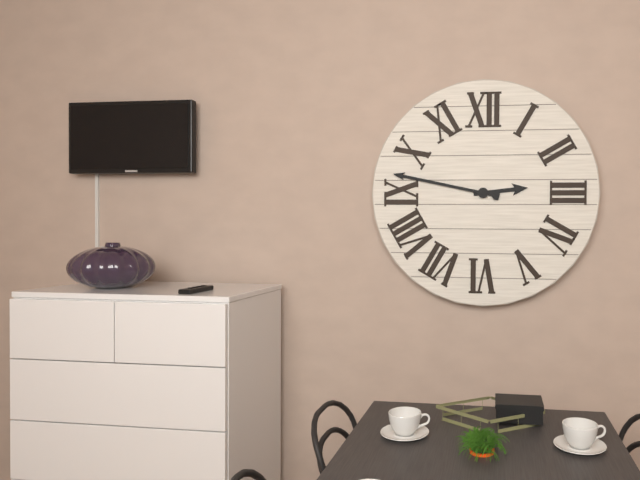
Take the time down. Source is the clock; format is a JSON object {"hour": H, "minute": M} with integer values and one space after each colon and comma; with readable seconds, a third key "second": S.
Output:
{"hour": 2, "minute": 47}
